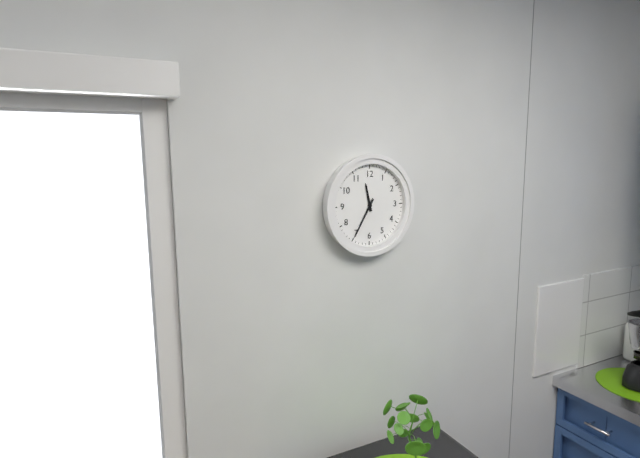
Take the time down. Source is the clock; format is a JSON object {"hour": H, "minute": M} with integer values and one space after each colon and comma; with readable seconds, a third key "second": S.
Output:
{"hour": 11, "minute": 35}
